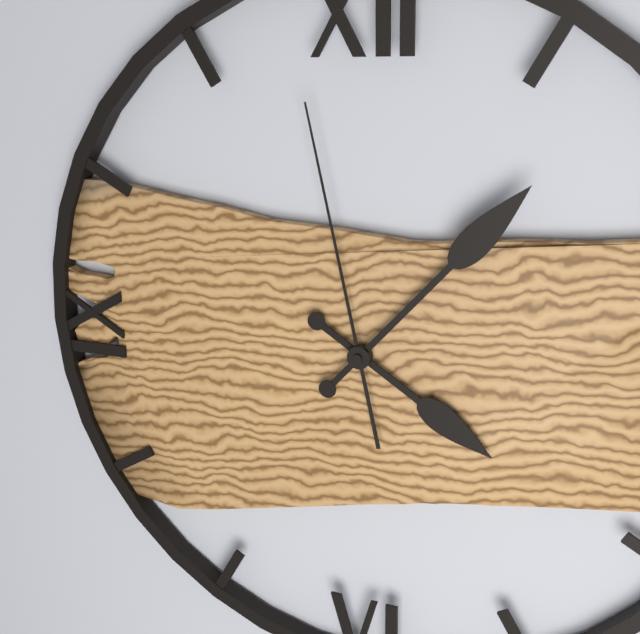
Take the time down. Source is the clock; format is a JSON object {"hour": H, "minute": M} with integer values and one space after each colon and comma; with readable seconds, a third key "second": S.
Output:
{"hour": 4, "minute": 7, "second": 58}
